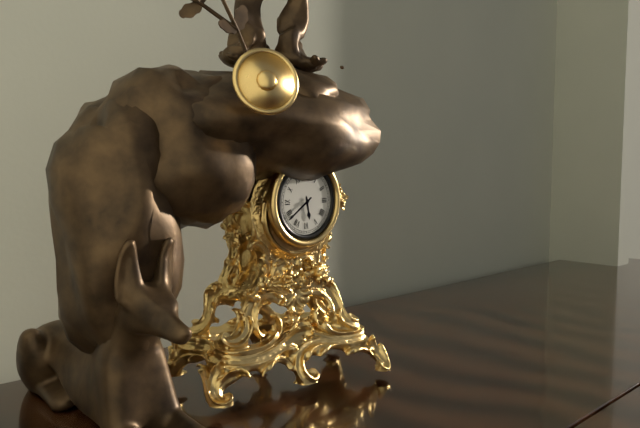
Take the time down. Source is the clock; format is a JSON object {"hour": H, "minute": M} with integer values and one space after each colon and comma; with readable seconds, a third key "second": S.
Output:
{"hour": 5, "minute": 39}
